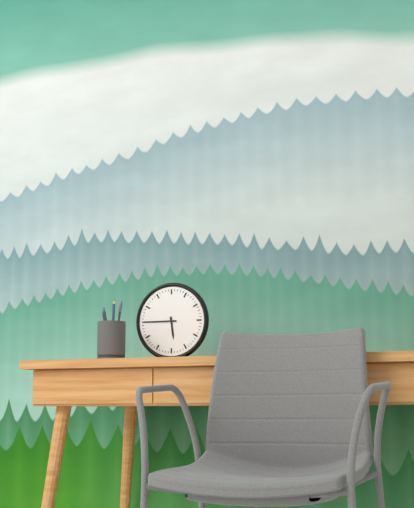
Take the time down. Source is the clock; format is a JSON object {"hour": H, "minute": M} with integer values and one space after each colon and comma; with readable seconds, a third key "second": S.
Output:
{"hour": 5, "minute": 45}
